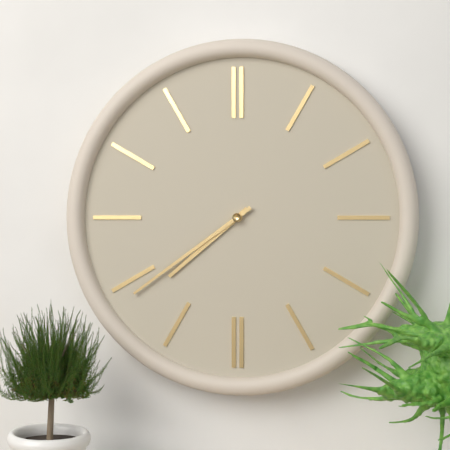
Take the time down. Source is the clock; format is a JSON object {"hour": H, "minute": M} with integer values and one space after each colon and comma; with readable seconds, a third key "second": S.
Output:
{"hour": 7, "minute": 39}
